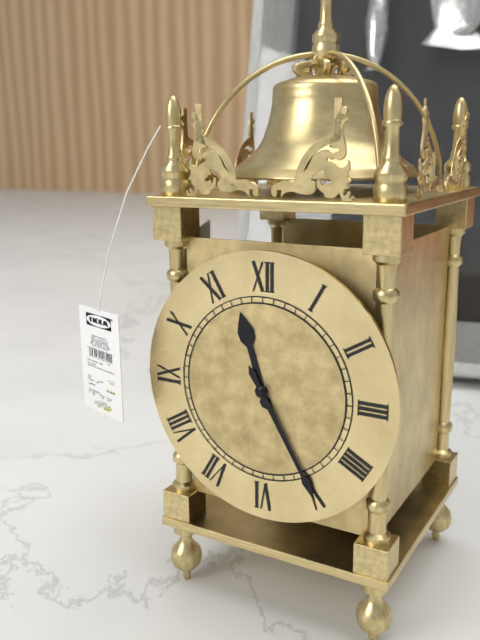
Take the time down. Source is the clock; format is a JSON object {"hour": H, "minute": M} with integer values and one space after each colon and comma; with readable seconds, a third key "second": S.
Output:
{"hour": 11, "minute": 25}
